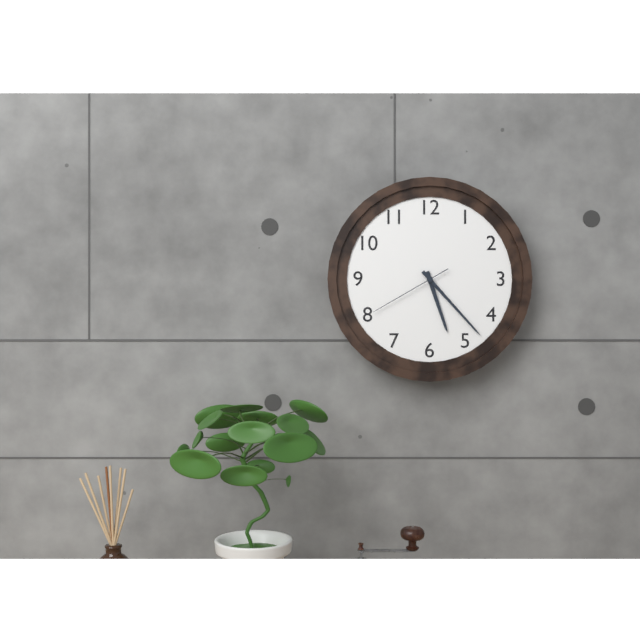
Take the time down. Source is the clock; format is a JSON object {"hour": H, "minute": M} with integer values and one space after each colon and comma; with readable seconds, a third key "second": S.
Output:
{"hour": 5, "minute": 23, "second": 40}
